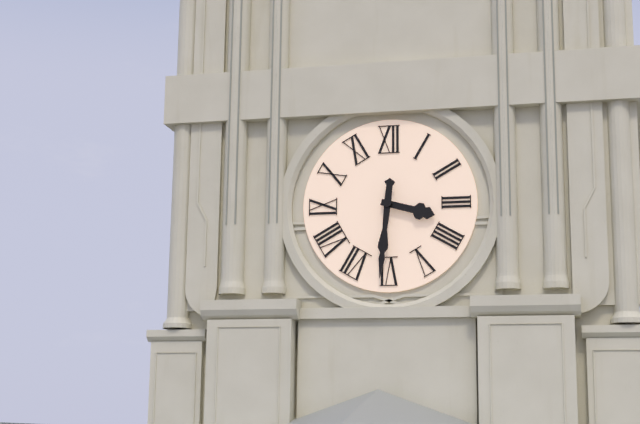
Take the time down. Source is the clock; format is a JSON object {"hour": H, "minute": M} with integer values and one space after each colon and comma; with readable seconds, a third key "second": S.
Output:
{"hour": 3, "minute": 31}
